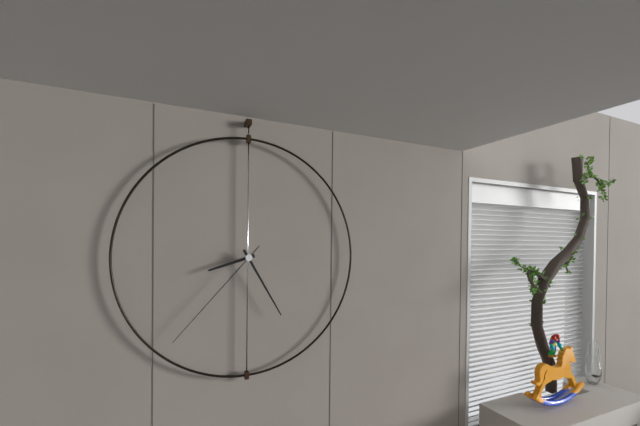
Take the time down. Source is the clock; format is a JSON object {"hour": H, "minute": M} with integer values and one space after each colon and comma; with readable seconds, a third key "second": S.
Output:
{"hour": 8, "minute": 25, "second": 37}
